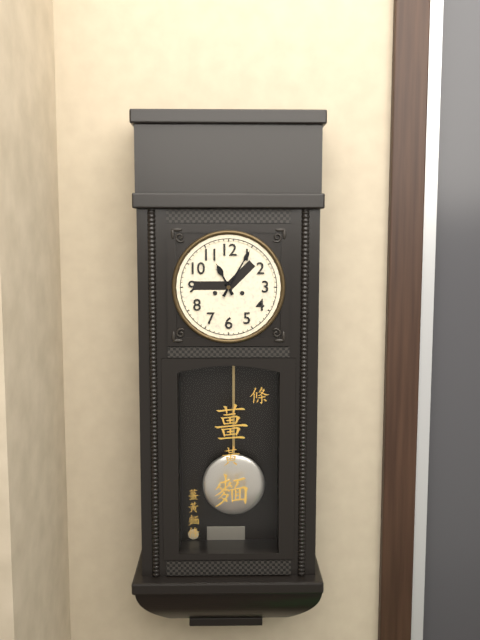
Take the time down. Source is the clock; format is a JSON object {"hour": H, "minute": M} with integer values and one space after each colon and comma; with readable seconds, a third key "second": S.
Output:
{"hour": 11, "minute": 5}
